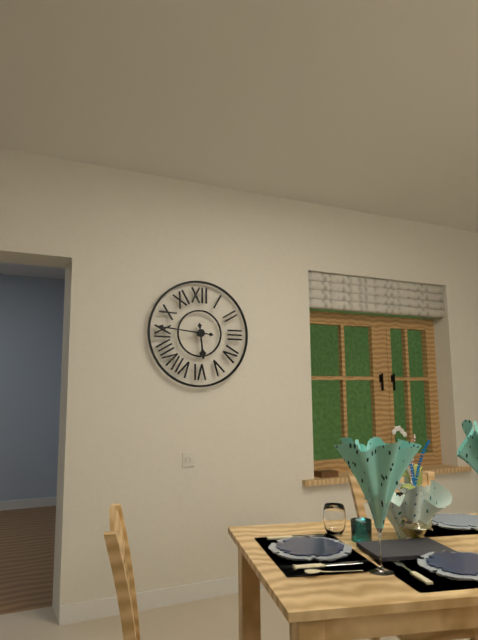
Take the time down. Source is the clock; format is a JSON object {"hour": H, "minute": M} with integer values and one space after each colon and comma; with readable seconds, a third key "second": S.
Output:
{"hour": 5, "minute": 46}
